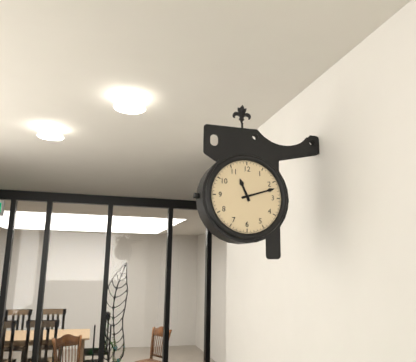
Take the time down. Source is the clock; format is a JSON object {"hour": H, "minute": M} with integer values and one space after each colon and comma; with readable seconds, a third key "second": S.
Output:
{"hour": 11, "minute": 12}
